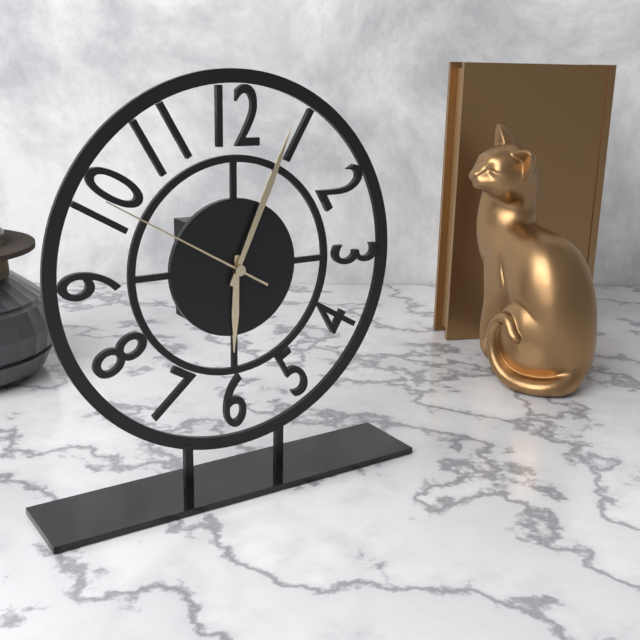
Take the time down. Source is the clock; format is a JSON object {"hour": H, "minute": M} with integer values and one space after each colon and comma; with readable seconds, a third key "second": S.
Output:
{"hour": 6, "minute": 4, "second": 50}
